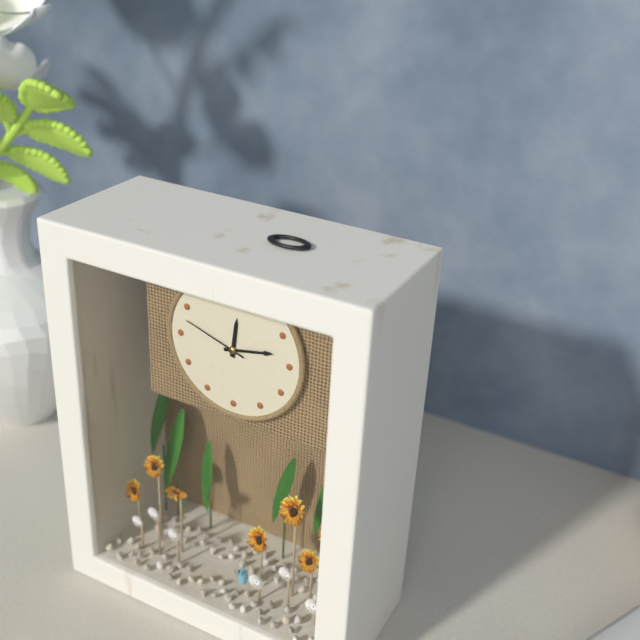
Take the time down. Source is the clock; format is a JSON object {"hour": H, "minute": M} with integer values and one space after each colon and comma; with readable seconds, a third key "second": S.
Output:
{"hour": 12, "minute": 13, "second": 48}
